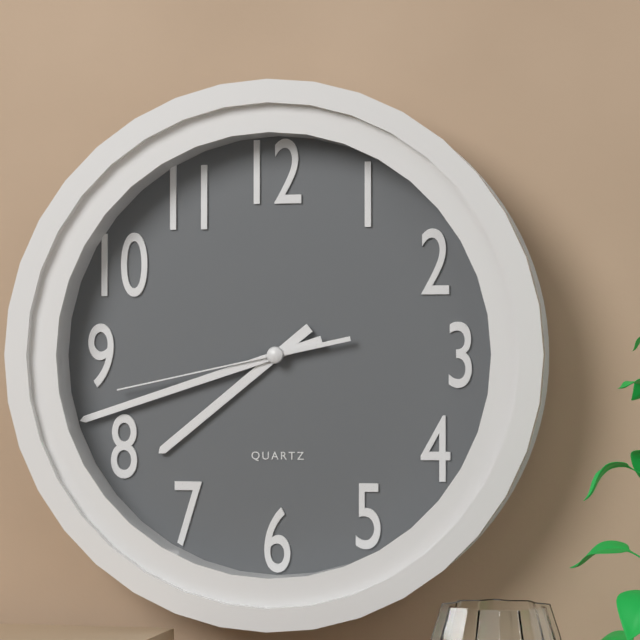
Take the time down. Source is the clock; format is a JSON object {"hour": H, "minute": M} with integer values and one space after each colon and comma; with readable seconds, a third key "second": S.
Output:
{"hour": 7, "minute": 42, "second": 43}
